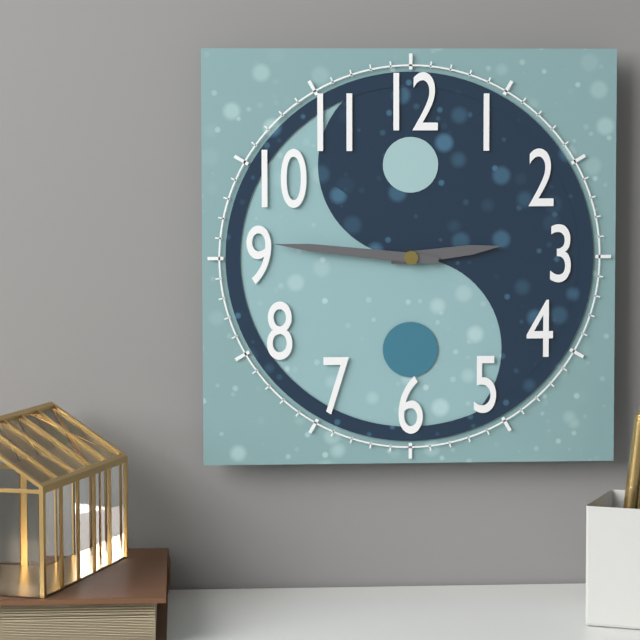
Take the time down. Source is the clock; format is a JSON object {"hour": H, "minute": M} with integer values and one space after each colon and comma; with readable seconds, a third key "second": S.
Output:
{"hour": 2, "minute": 46}
